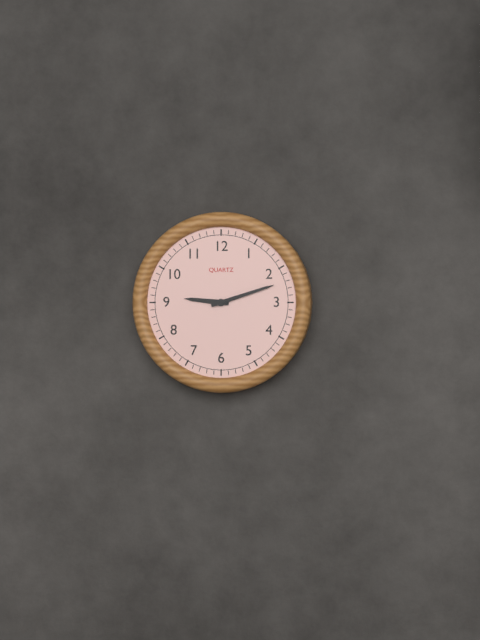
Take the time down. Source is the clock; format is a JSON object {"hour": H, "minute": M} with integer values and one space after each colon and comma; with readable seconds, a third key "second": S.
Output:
{"hour": 9, "minute": 12}
